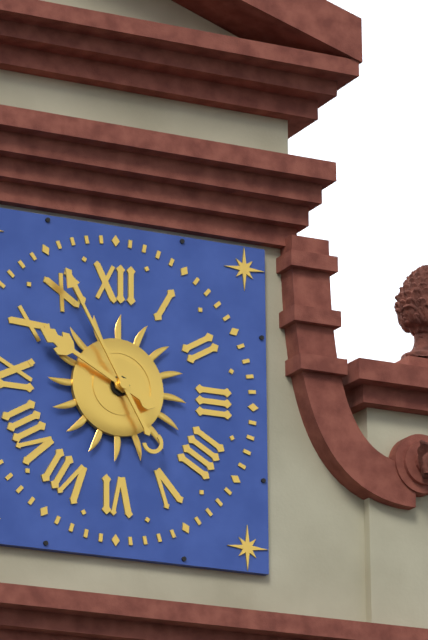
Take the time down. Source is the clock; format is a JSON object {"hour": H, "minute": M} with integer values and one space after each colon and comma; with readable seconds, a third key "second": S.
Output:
{"hour": 9, "minute": 55}
